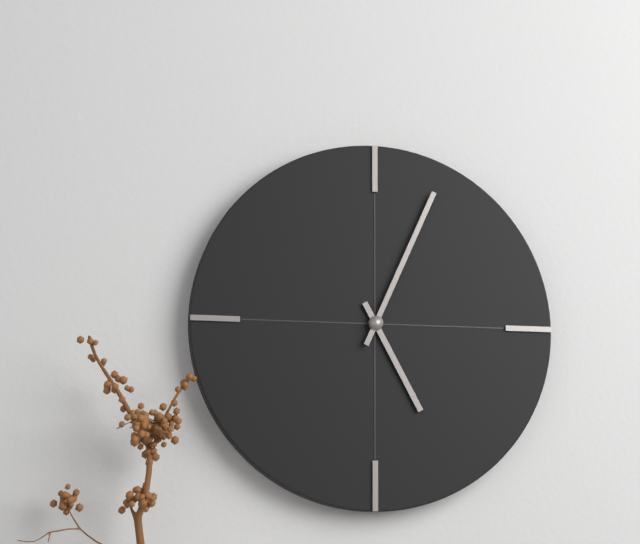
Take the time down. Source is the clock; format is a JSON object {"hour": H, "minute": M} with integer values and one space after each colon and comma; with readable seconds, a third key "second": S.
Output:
{"hour": 5, "minute": 4}
